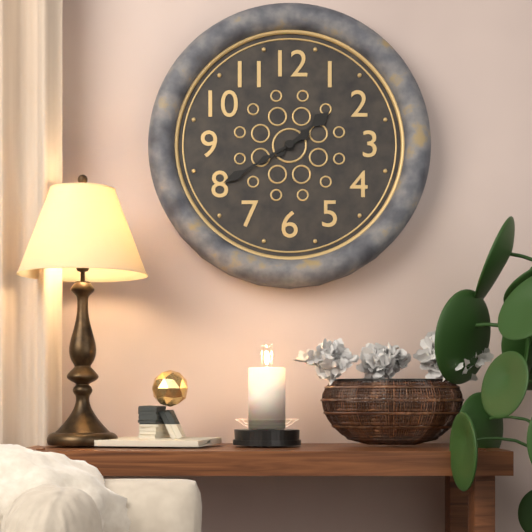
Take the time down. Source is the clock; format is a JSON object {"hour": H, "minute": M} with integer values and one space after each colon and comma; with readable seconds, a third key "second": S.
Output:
{"hour": 1, "minute": 40}
